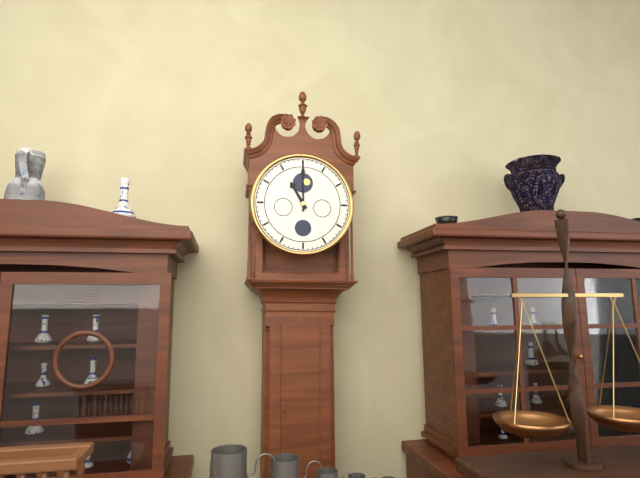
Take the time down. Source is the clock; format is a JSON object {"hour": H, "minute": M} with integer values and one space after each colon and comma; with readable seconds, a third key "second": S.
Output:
{"hour": 11, "minute": 0}
